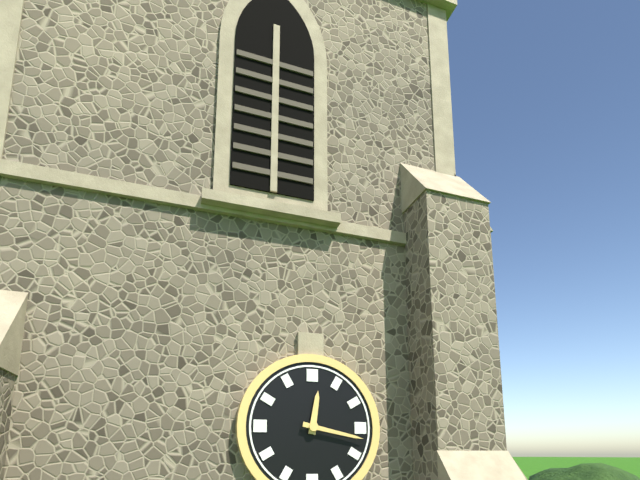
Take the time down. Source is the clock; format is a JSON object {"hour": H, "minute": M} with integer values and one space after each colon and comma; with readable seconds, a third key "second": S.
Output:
{"hour": 12, "minute": 17}
